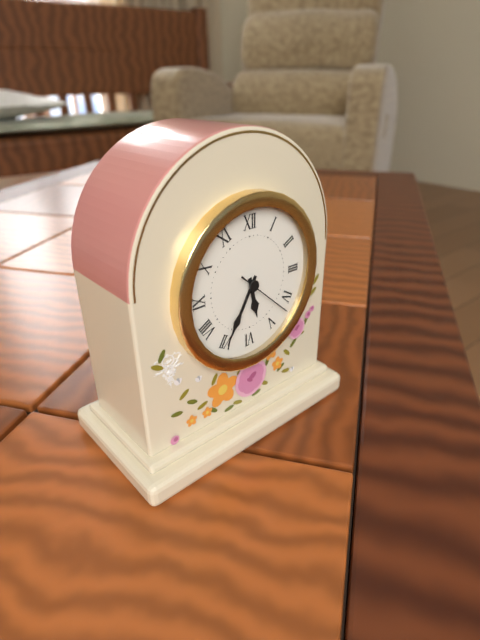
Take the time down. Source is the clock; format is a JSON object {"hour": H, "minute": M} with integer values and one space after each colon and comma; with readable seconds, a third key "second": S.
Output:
{"hour": 5, "minute": 35, "second": 22}
